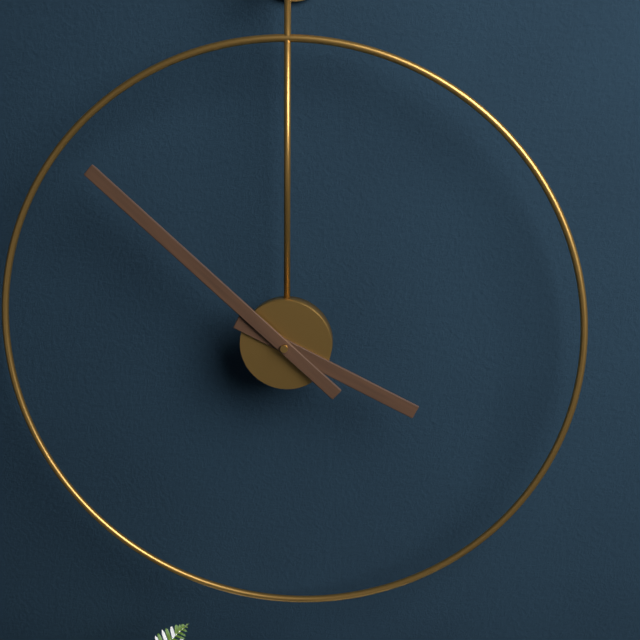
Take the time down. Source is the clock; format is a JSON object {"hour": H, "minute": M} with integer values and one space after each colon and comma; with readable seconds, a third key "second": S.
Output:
{"hour": 3, "minute": 52}
